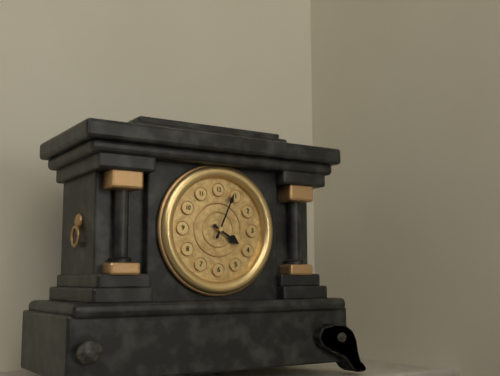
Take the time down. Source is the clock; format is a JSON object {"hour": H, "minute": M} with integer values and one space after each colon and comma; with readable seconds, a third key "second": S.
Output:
{"hour": 4, "minute": 4}
